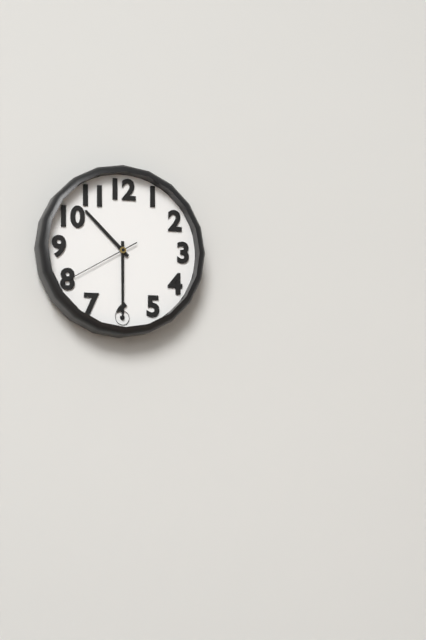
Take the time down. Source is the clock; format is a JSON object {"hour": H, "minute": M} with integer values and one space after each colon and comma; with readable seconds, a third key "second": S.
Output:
{"hour": 10, "minute": 30, "second": 40}
